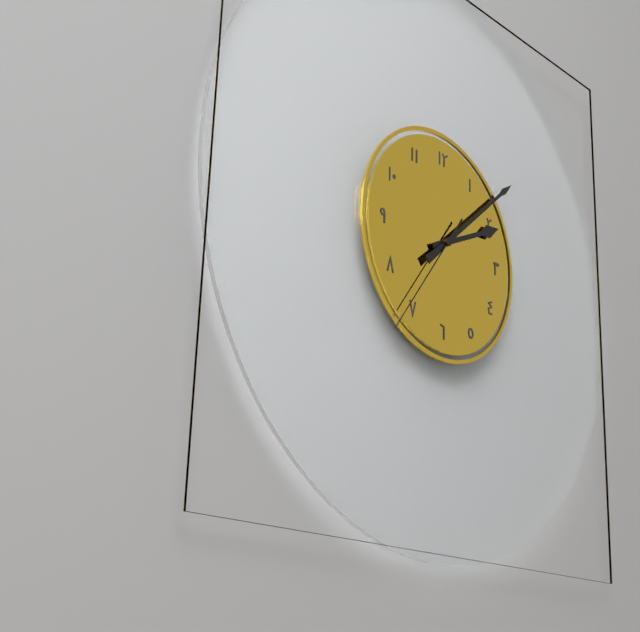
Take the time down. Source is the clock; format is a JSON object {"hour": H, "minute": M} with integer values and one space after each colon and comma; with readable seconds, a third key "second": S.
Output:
{"hour": 2, "minute": 8, "second": 36}
